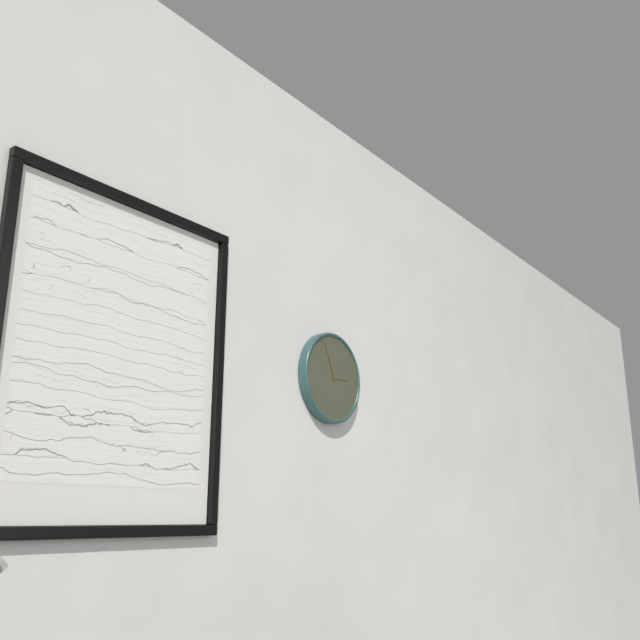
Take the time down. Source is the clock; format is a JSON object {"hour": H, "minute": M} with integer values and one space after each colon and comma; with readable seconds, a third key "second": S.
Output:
{"hour": 2, "minute": 56}
